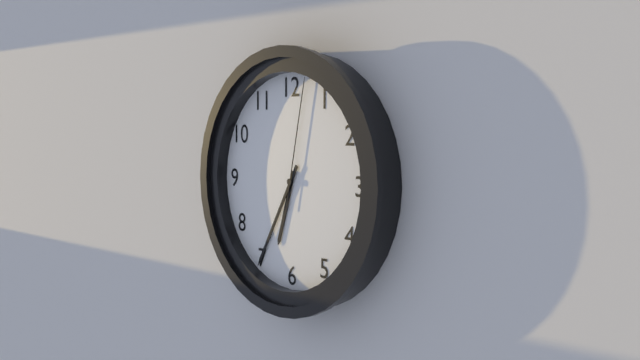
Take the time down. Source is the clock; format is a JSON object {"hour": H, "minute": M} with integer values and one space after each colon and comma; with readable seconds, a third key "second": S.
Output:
{"hour": 6, "minute": 35, "second": 2}
